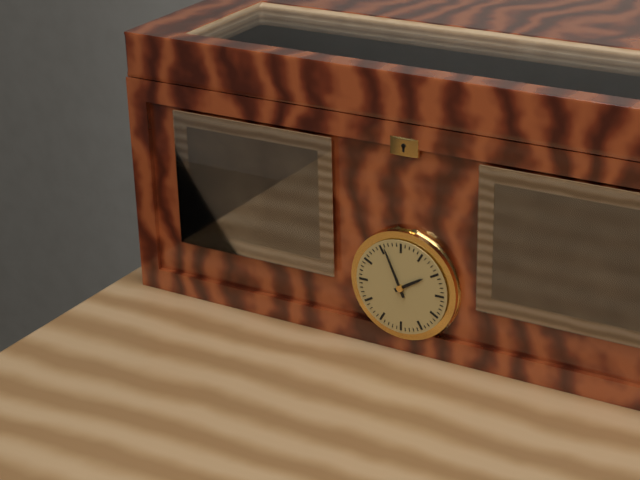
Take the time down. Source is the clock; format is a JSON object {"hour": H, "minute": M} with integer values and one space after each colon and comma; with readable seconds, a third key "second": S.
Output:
{"hour": 1, "minute": 56}
